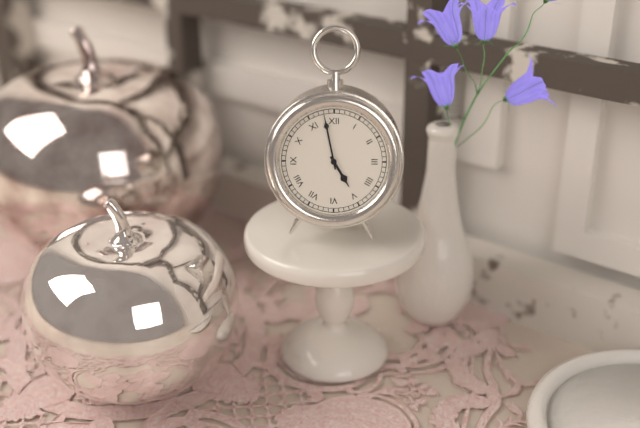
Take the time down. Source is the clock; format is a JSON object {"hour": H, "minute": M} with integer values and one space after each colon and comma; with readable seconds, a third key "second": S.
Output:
{"hour": 4, "minute": 58}
